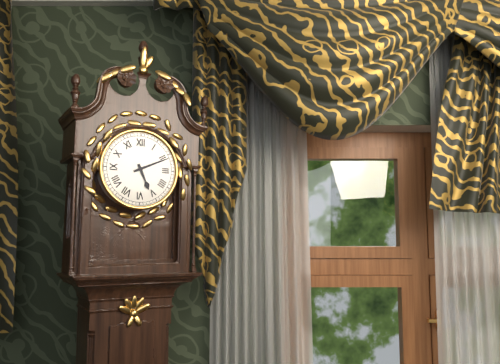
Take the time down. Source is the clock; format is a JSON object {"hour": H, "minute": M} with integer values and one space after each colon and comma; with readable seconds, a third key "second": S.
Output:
{"hour": 5, "minute": 11}
